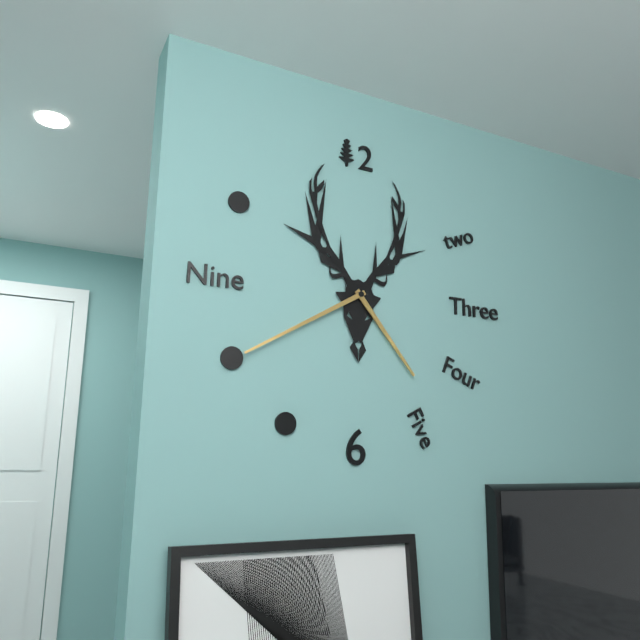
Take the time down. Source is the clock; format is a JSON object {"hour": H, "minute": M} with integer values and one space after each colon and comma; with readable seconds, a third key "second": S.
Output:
{"hour": 4, "minute": 40}
